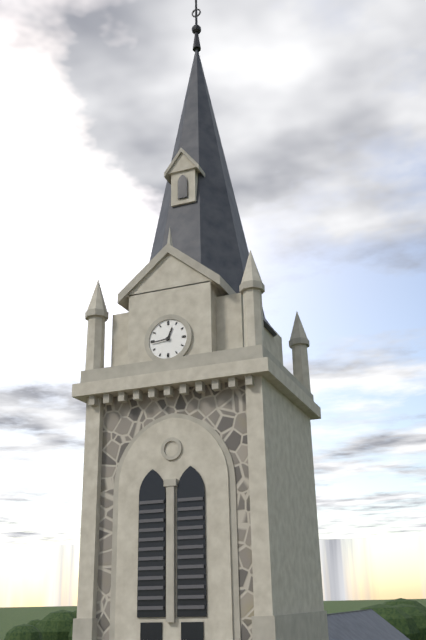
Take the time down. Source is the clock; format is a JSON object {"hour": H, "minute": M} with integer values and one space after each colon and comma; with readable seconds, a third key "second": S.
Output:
{"hour": 12, "minute": 44}
